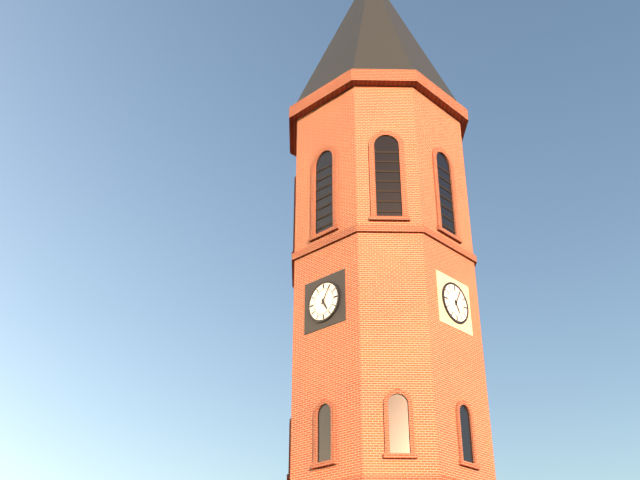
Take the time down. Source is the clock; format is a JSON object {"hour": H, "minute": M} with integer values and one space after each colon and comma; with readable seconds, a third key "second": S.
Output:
{"hour": 5, "minute": 5}
